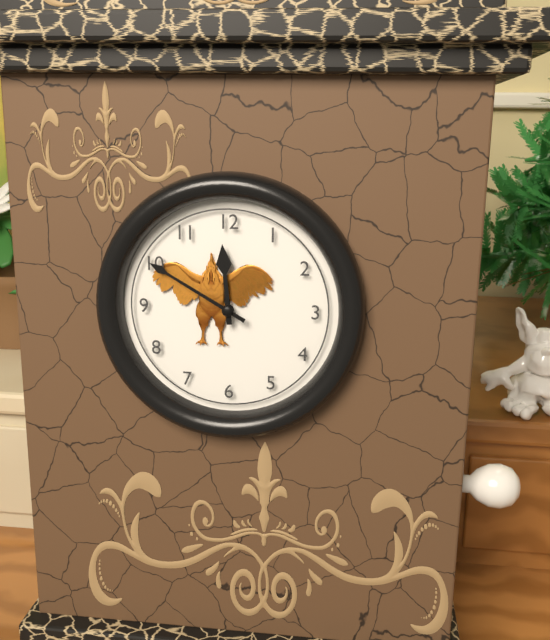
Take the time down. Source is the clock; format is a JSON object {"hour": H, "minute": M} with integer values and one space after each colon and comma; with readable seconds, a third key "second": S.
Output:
{"hour": 11, "minute": 50}
